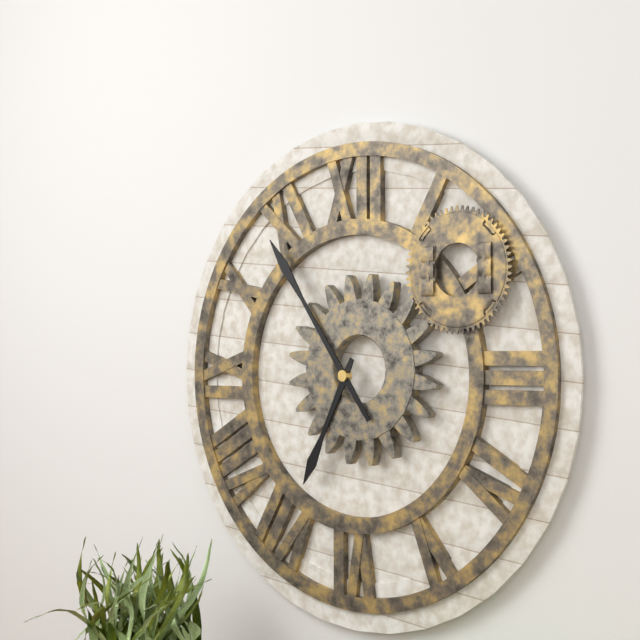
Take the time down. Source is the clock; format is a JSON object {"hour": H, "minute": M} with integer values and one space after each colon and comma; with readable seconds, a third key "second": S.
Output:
{"hour": 6, "minute": 54}
